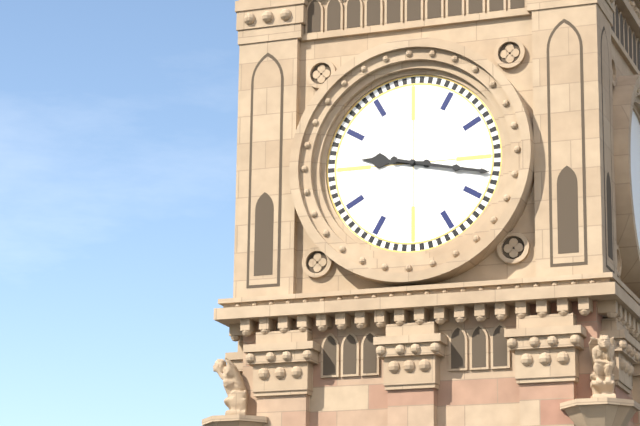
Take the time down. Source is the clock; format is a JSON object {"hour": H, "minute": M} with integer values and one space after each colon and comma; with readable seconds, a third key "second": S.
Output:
{"hour": 9, "minute": 17}
